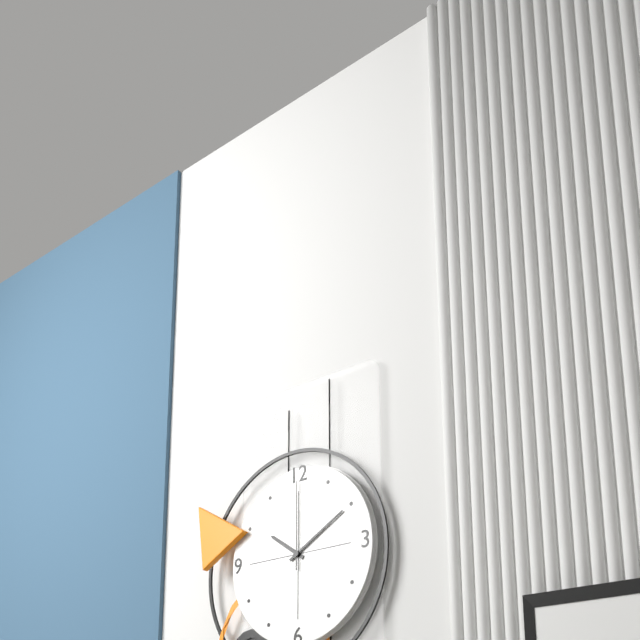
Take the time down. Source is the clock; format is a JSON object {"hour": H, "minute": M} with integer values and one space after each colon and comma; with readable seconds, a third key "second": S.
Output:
{"hour": 10, "minute": 10, "second": 0}
